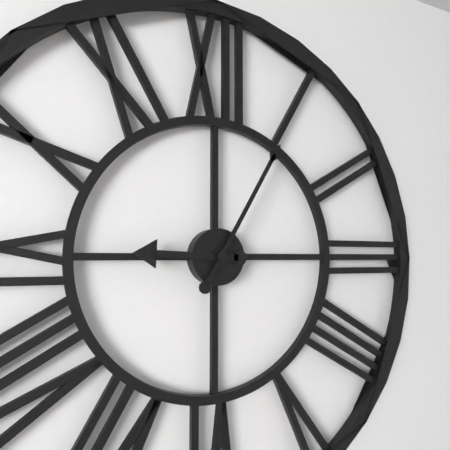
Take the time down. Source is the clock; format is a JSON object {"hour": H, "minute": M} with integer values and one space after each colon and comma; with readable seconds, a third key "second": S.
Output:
{"hour": 9, "minute": 5}
